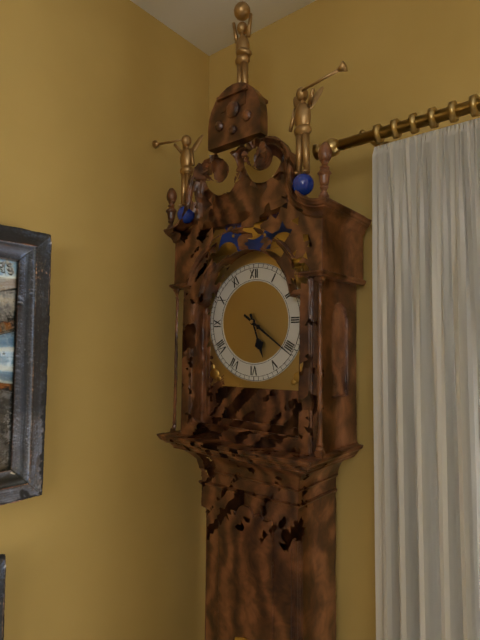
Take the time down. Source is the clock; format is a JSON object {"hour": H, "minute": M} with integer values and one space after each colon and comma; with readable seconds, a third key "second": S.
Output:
{"hour": 5, "minute": 21}
